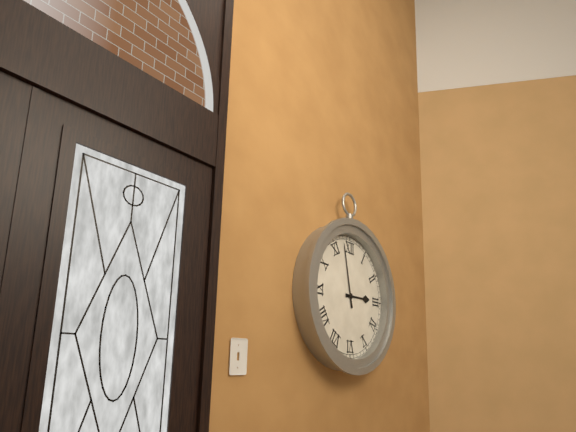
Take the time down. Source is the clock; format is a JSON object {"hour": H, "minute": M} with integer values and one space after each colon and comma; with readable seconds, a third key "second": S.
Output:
{"hour": 2, "minute": 58}
